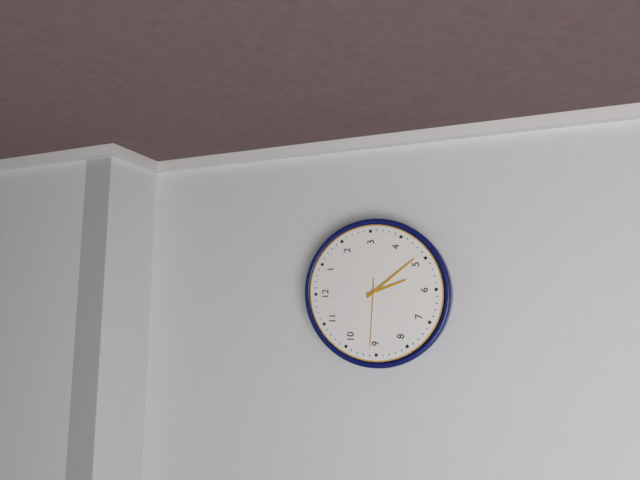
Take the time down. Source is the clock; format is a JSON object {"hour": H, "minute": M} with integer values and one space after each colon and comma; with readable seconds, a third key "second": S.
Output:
{"hour": 5, "minute": 24, "second": 46}
